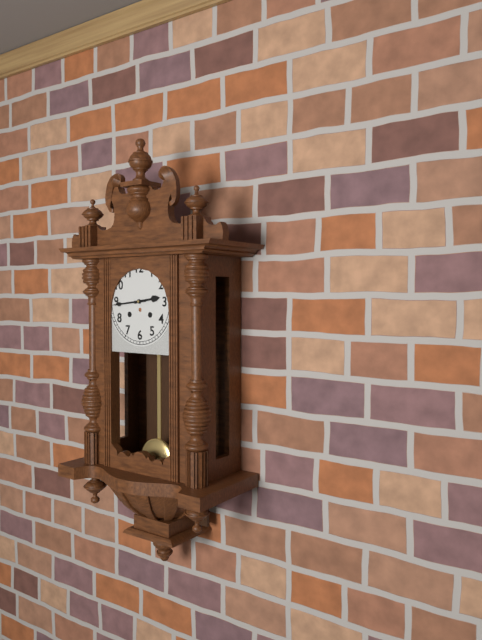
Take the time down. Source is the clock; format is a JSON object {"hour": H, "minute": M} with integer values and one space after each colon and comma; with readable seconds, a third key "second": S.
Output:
{"hour": 2, "minute": 44}
